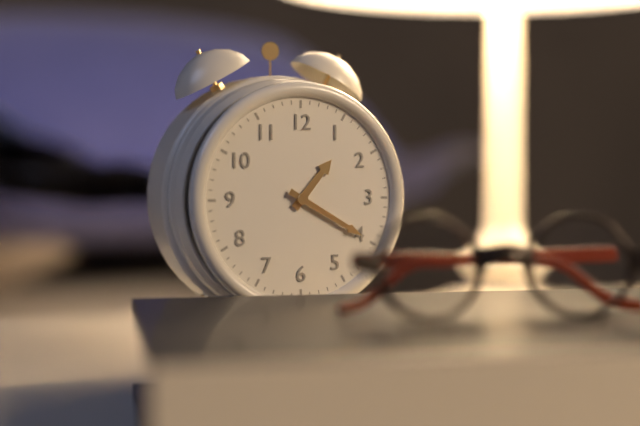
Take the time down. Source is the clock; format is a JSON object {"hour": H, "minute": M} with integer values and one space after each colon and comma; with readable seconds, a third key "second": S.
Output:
{"hour": 1, "minute": 20}
